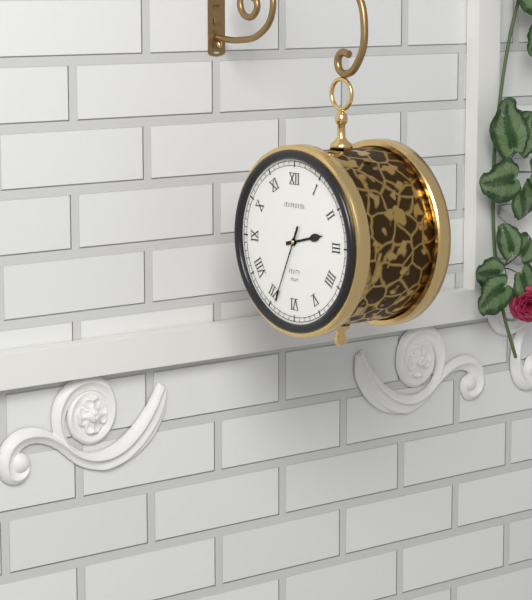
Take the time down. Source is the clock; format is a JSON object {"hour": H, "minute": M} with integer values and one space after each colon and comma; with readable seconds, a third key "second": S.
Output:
{"hour": 2, "minute": 34}
